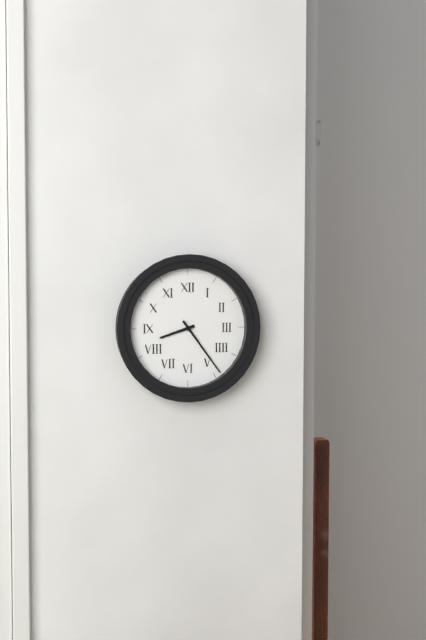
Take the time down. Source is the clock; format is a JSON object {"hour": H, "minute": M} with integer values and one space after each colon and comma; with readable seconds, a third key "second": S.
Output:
{"hour": 8, "minute": 24}
